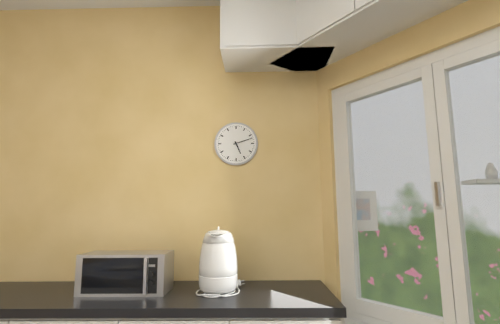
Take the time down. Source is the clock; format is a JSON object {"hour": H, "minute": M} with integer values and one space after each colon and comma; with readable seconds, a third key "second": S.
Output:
{"hour": 5, "minute": 12}
